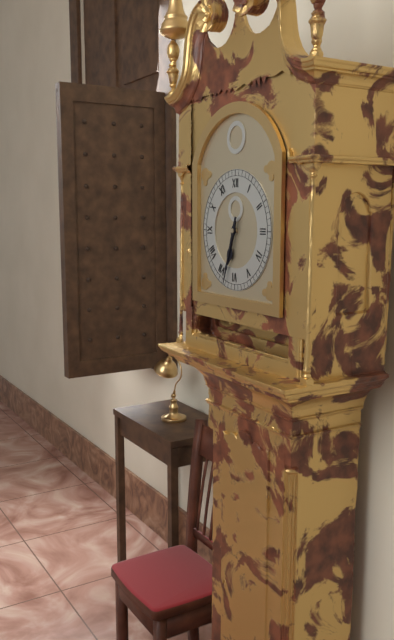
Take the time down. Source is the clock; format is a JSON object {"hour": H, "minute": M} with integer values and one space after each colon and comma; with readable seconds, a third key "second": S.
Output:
{"hour": 6, "minute": 33}
